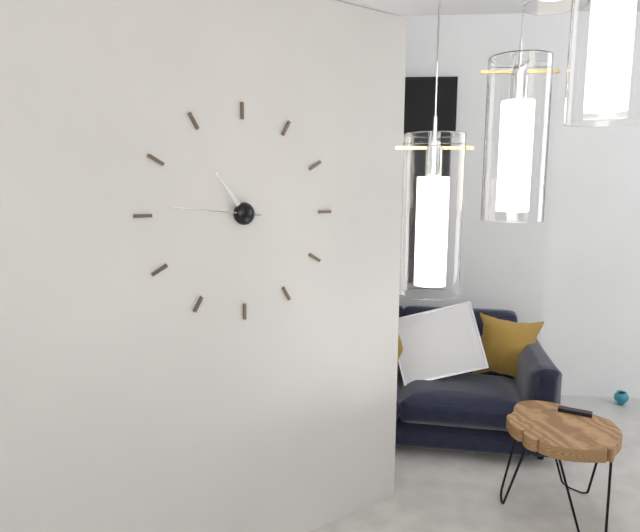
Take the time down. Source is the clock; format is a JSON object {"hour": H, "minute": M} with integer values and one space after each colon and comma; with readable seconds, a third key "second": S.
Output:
{"hour": 10, "minute": 46}
